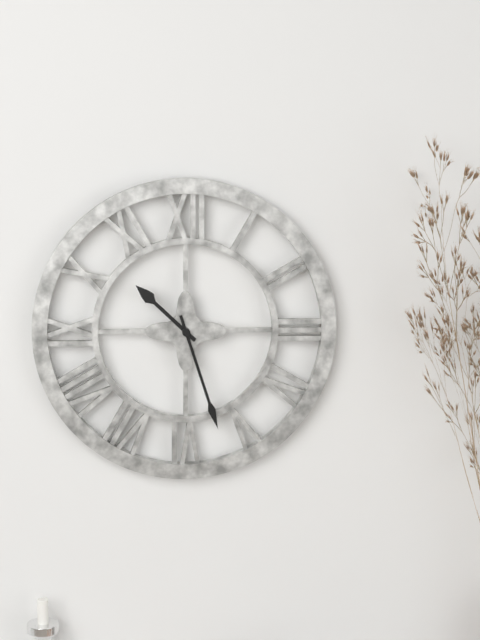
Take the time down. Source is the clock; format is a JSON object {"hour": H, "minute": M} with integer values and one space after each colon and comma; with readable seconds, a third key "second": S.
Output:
{"hour": 10, "minute": 27}
